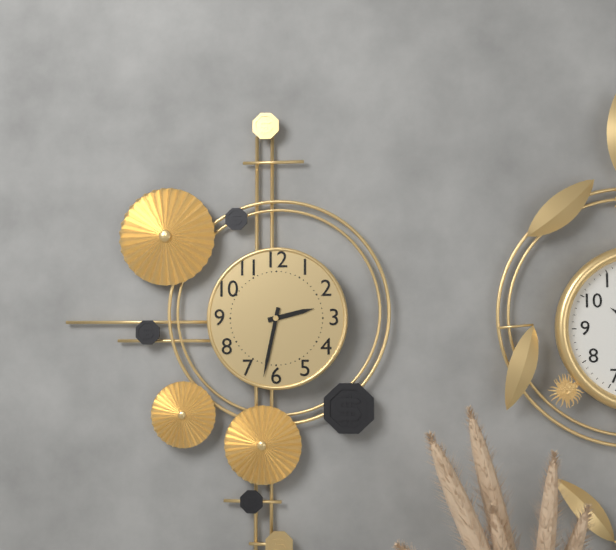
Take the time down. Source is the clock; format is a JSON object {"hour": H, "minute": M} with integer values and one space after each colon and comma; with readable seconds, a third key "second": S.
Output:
{"hour": 2, "minute": 32}
